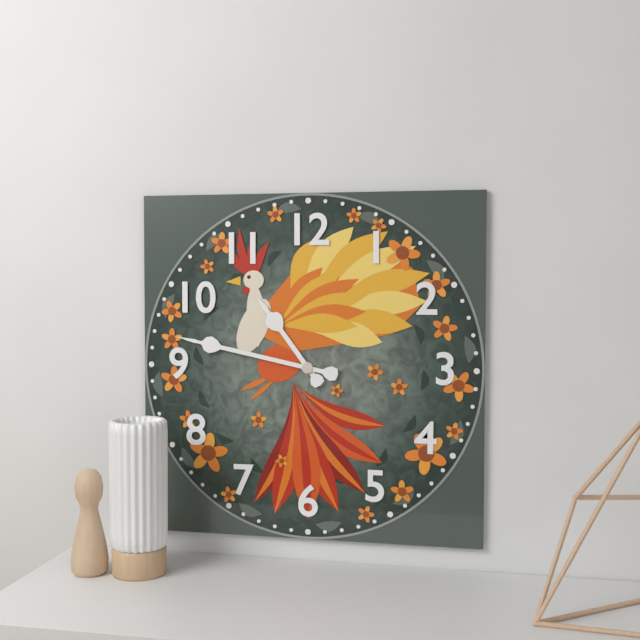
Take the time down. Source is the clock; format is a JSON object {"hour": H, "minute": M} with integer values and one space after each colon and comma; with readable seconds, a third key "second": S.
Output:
{"hour": 10, "minute": 47}
